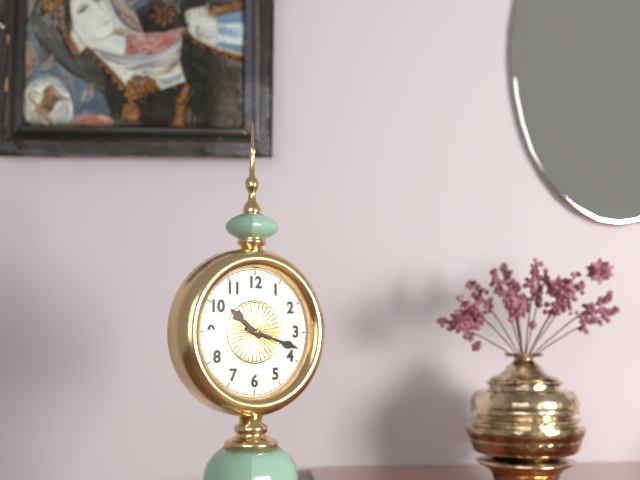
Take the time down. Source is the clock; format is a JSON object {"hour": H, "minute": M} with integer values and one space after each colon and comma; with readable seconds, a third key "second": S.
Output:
{"hour": 10, "minute": 18}
